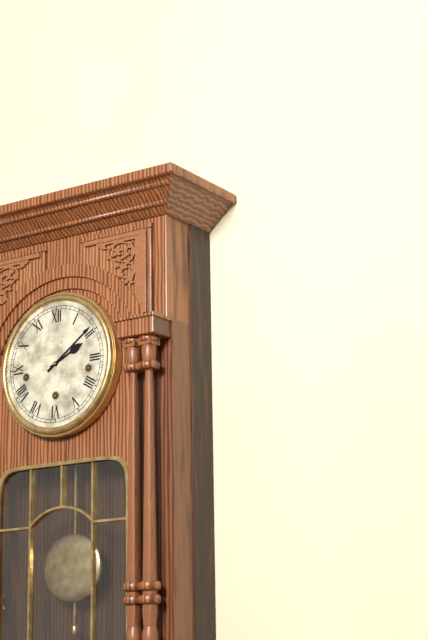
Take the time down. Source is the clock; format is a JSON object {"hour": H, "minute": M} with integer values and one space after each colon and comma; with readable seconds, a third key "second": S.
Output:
{"hour": 2, "minute": 9}
